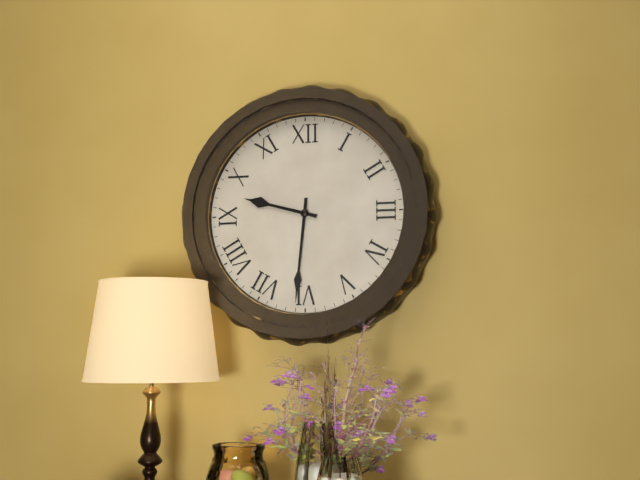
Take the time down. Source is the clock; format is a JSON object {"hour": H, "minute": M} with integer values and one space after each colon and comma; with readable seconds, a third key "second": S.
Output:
{"hour": 9, "minute": 31}
